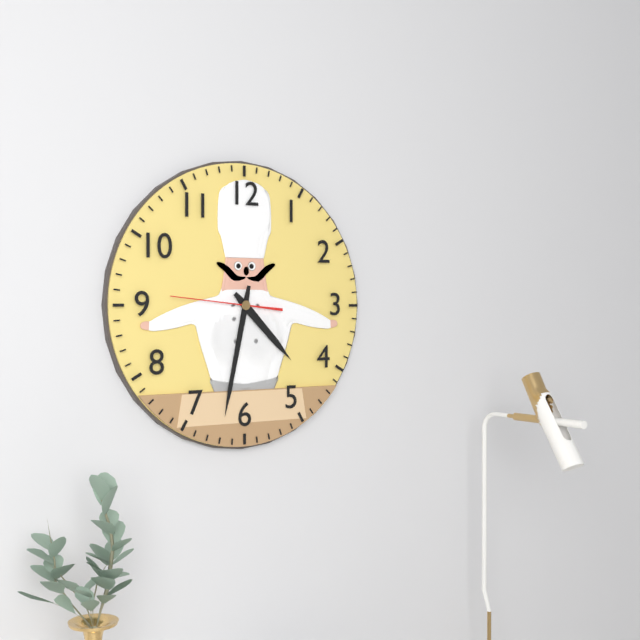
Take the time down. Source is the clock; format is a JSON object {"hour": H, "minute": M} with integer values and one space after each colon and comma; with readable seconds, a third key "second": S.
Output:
{"hour": 4, "minute": 32, "second": 46}
